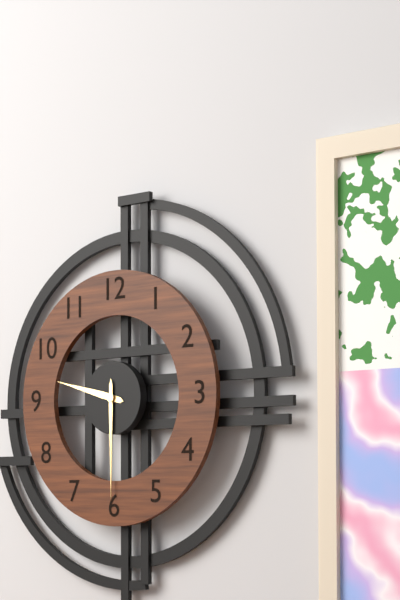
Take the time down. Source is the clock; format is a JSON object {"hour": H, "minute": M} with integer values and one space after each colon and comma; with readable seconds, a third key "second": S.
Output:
{"hour": 9, "minute": 30}
